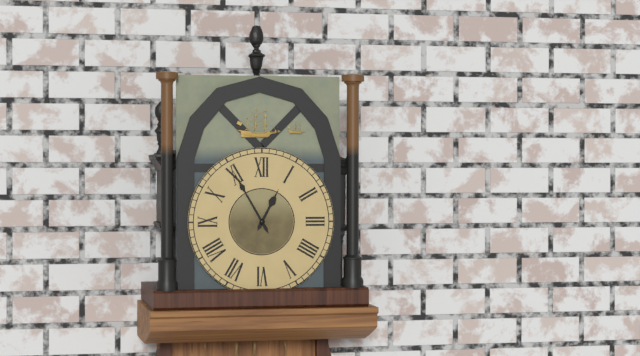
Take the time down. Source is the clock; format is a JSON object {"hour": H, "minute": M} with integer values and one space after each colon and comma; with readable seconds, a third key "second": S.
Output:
{"hour": 12, "minute": 55}
